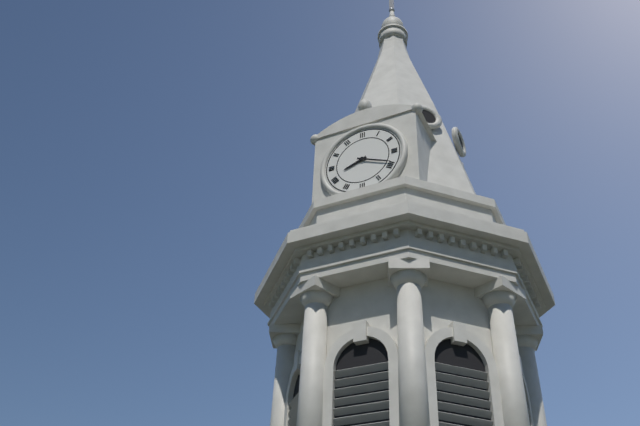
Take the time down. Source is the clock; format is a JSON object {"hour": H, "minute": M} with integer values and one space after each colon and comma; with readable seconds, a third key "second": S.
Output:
{"hour": 8, "minute": 19}
